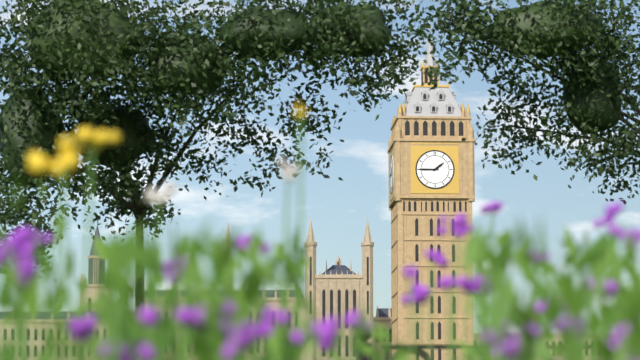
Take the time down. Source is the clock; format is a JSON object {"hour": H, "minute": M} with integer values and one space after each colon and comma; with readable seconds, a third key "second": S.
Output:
{"hour": 1, "minute": 45}
